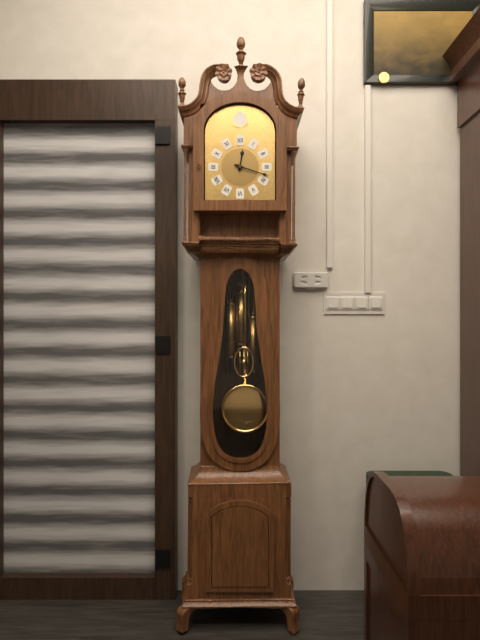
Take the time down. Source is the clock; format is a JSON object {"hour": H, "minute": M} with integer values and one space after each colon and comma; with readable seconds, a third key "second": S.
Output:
{"hour": 12, "minute": 18}
